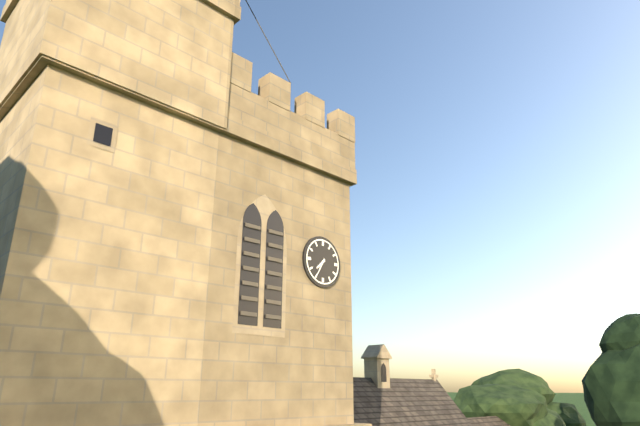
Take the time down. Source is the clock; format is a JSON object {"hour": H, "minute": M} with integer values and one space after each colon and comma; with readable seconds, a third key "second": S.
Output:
{"hour": 7, "minute": 35}
